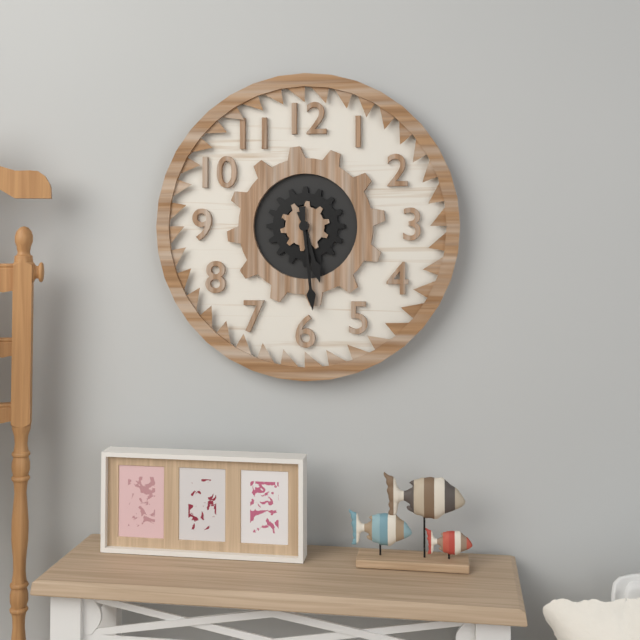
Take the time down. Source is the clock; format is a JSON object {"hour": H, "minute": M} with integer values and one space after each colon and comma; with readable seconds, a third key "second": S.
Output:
{"hour": 5, "minute": 29}
